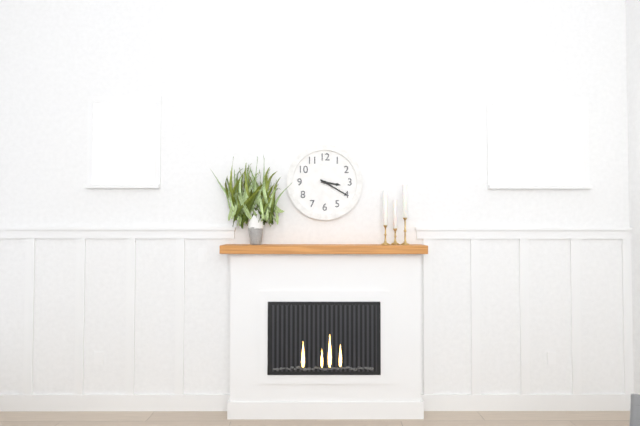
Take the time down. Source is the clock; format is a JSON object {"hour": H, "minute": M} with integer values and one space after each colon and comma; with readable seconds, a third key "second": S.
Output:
{"hour": 3, "minute": 20}
